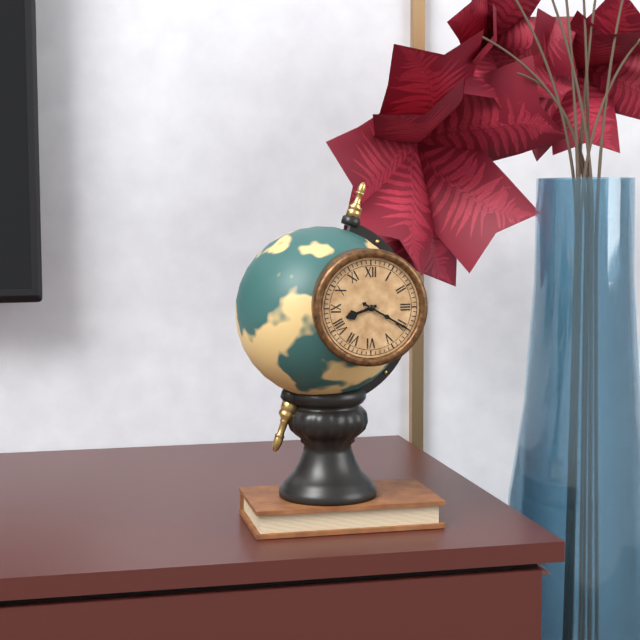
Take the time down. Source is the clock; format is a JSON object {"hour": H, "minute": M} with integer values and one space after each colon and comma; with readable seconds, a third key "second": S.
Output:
{"hour": 8, "minute": 20}
